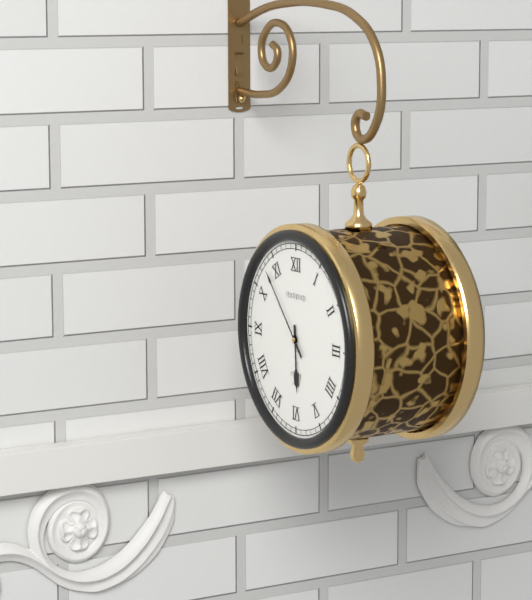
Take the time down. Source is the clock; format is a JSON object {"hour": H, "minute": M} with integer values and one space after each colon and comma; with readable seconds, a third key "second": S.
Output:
{"hour": 5, "minute": 53}
